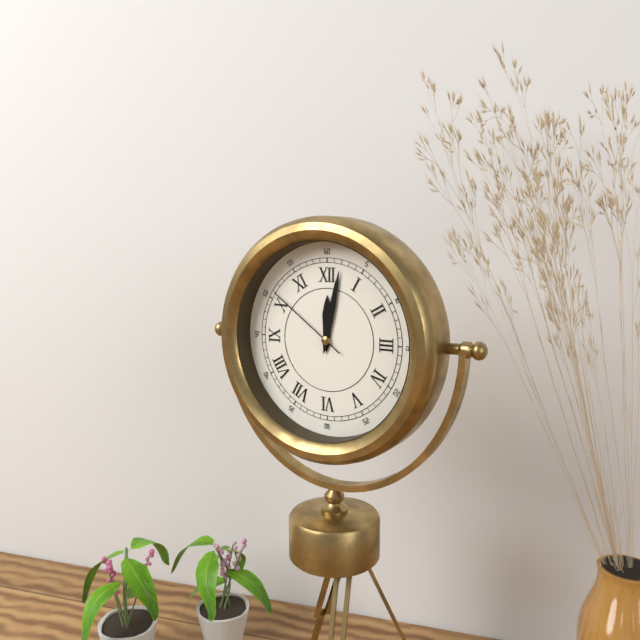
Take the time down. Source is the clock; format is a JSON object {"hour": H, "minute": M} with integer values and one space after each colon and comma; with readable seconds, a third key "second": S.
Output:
{"hour": 12, "minute": 2, "second": 51}
